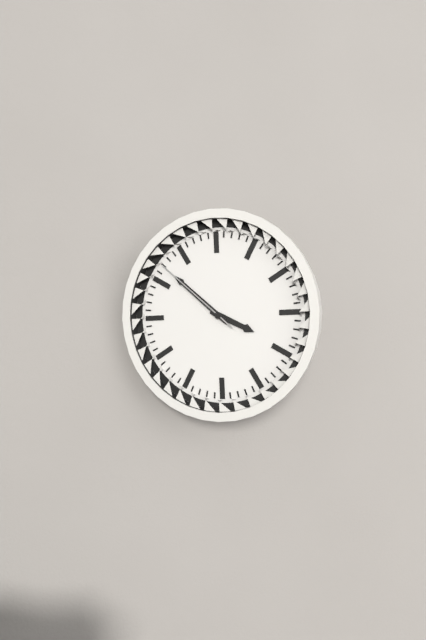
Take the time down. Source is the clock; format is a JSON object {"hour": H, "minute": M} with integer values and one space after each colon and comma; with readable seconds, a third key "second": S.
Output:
{"hour": 3, "minute": 52, "second": 52}
